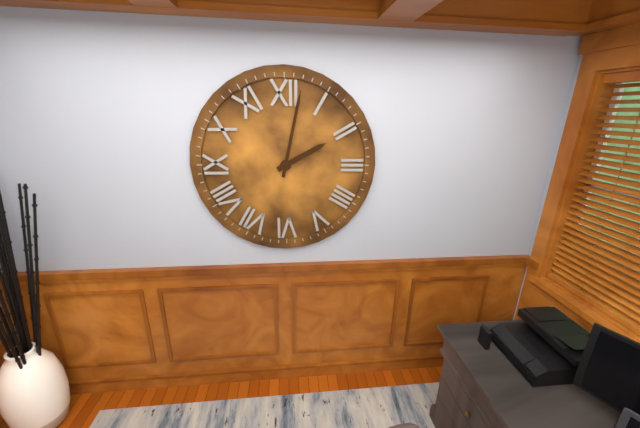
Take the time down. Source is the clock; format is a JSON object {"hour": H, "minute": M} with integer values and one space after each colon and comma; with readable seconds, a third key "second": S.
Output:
{"hour": 2, "minute": 2}
